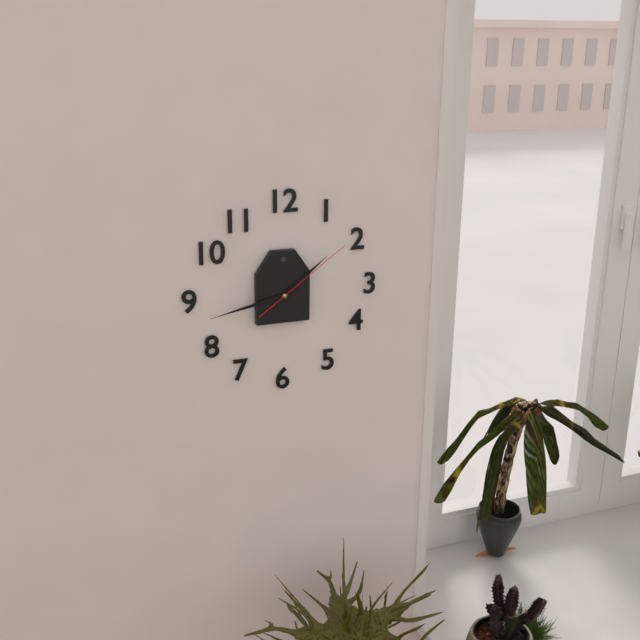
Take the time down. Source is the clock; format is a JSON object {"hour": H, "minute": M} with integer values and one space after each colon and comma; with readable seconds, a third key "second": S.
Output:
{"hour": 1, "minute": 43, "second": 9}
